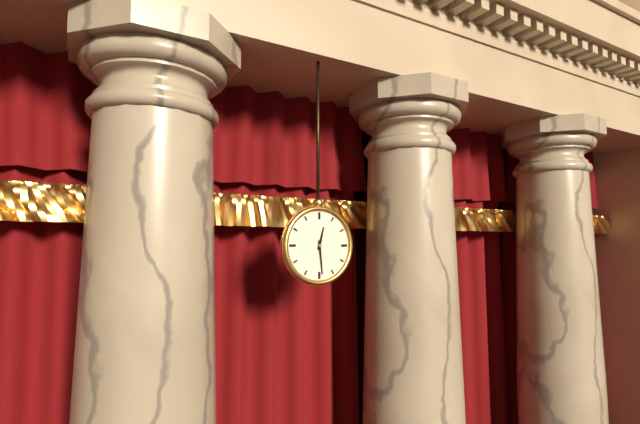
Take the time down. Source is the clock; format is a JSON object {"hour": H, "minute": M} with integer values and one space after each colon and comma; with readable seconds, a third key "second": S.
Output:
{"hour": 12, "minute": 29}
